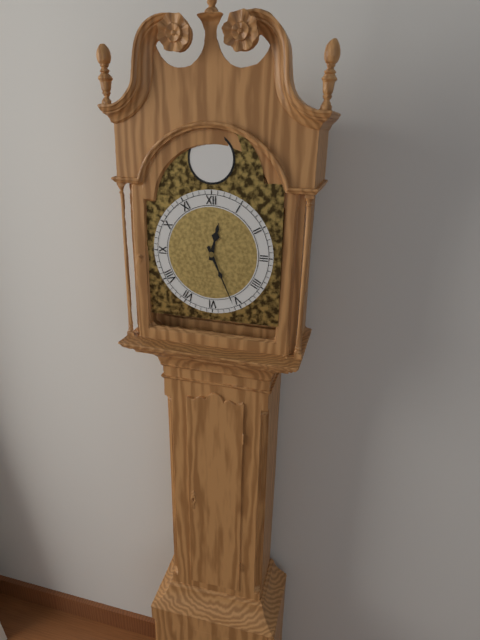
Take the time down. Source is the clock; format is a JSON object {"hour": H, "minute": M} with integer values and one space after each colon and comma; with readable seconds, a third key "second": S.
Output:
{"hour": 12, "minute": 26}
